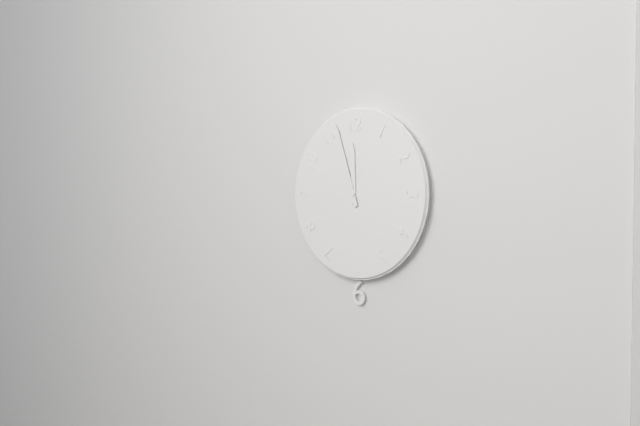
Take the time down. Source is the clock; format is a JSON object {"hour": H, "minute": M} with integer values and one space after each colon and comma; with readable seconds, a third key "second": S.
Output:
{"hour": 11, "minute": 57}
